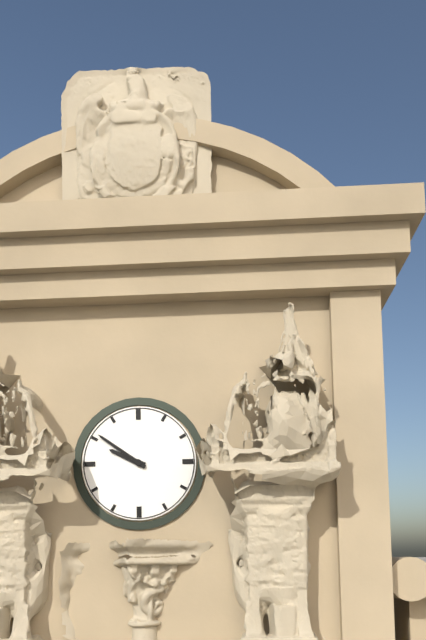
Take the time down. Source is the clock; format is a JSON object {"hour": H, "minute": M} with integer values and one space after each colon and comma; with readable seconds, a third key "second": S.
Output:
{"hour": 9, "minute": 51}
